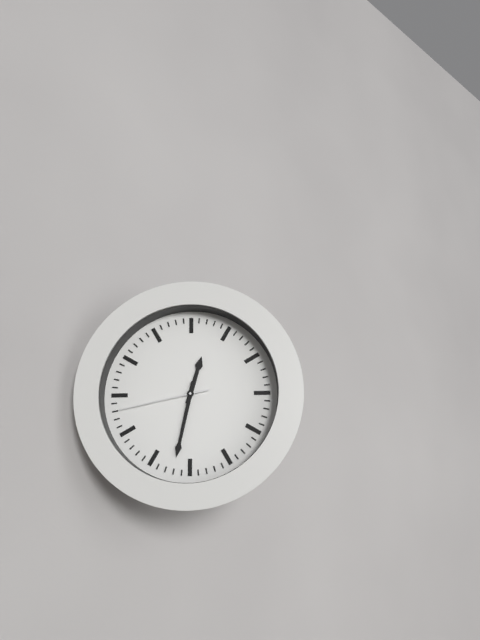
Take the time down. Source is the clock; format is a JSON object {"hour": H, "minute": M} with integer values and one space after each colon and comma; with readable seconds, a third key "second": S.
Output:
{"hour": 12, "minute": 32, "second": 43}
